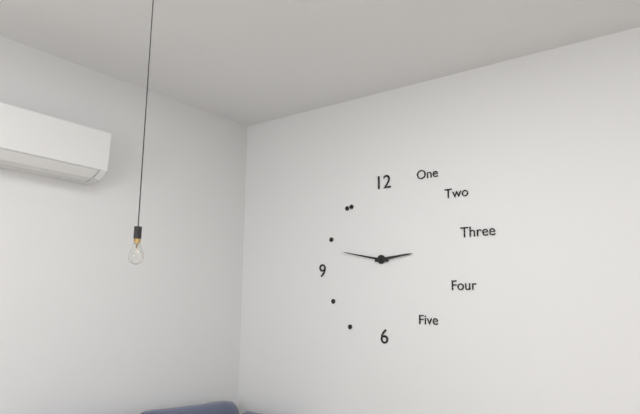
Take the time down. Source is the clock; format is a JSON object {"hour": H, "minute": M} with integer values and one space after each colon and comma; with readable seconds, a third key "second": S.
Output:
{"hour": 2, "minute": 47}
